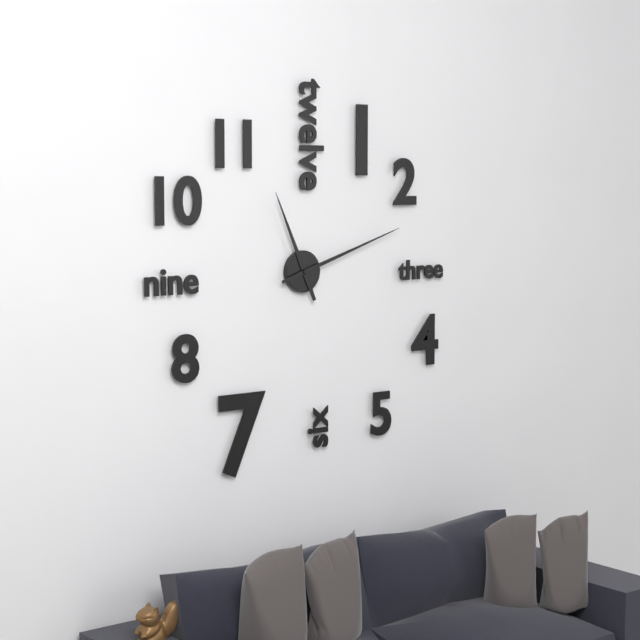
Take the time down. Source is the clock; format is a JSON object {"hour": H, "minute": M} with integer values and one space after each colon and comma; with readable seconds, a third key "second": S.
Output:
{"hour": 11, "minute": 12}
